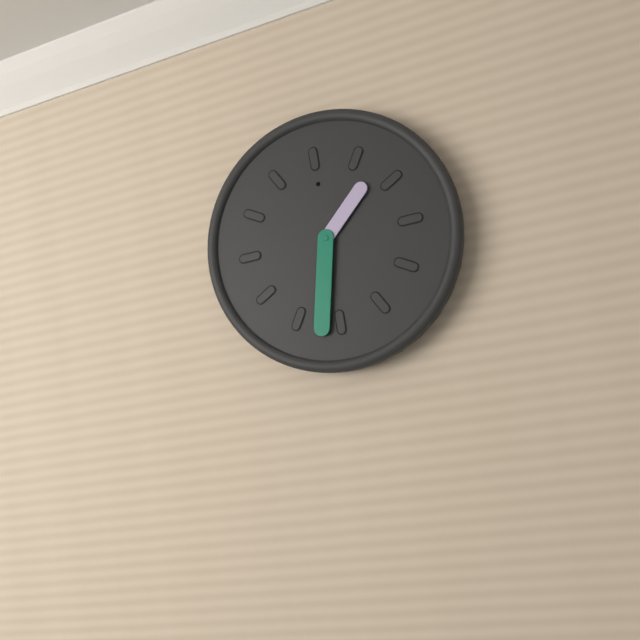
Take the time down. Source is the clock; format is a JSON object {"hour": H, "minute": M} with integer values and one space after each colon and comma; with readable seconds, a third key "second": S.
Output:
{"hour": 1, "minute": 32}
